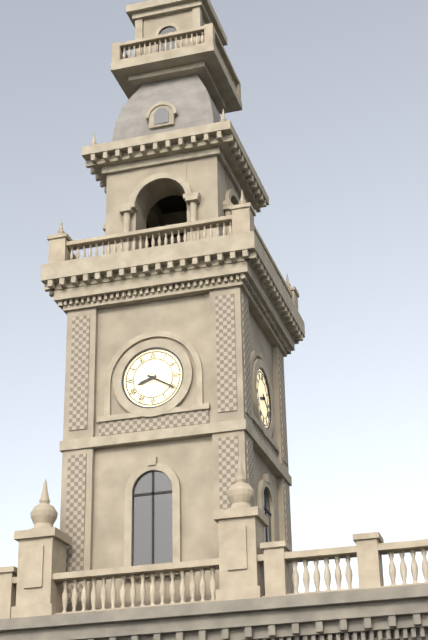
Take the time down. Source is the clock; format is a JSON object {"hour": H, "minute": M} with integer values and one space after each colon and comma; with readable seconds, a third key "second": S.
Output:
{"hour": 8, "minute": 20}
